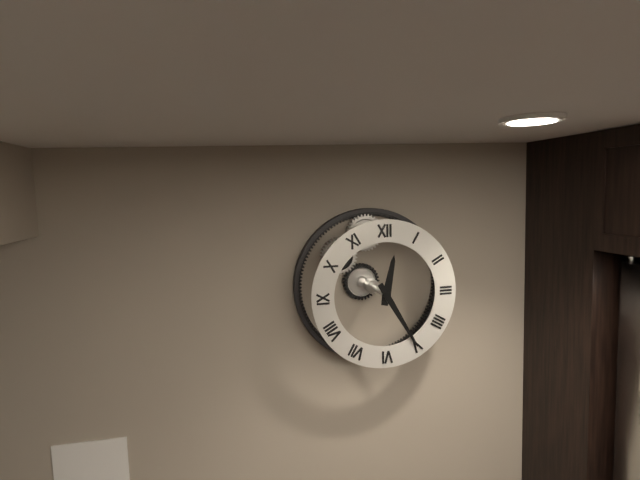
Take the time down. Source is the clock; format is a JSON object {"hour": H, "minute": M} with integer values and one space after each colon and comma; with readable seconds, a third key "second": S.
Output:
{"hour": 12, "minute": 25}
